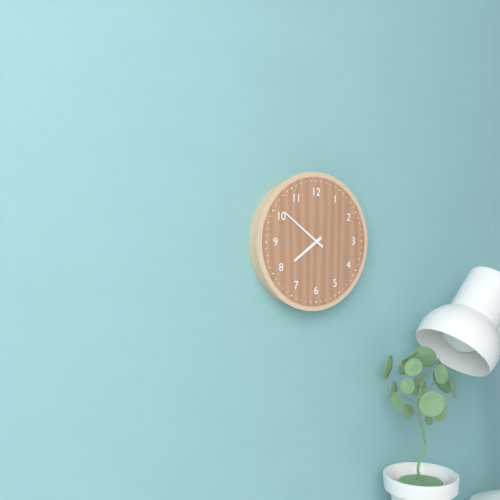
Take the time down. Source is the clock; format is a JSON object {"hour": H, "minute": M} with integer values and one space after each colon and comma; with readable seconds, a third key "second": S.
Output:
{"hour": 7, "minute": 51}
